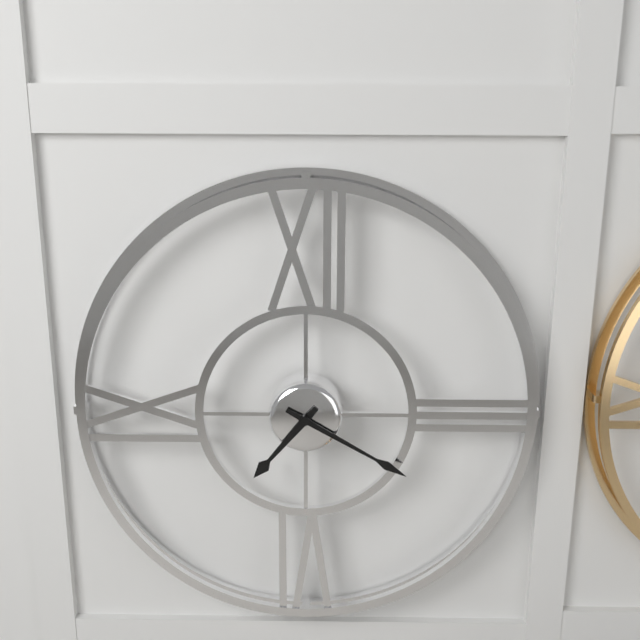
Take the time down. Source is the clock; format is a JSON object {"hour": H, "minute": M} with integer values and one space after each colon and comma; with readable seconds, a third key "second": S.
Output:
{"hour": 7, "minute": 20}
